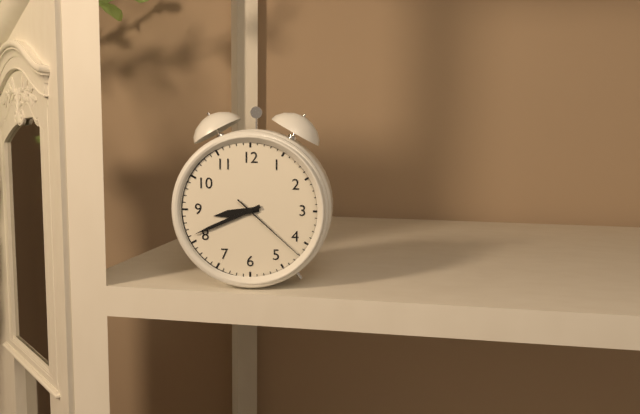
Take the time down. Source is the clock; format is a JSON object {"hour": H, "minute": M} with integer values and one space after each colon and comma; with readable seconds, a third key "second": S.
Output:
{"hour": 8, "minute": 41, "second": 22}
